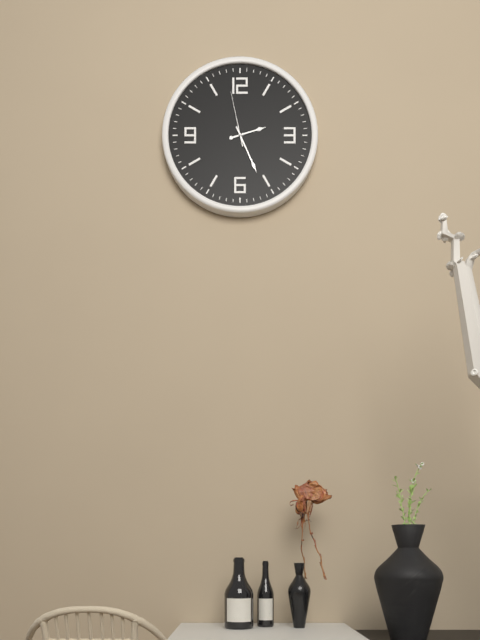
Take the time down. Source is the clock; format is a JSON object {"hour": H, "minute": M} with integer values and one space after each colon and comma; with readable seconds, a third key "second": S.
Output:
{"hour": 2, "minute": 26, "second": 58}
